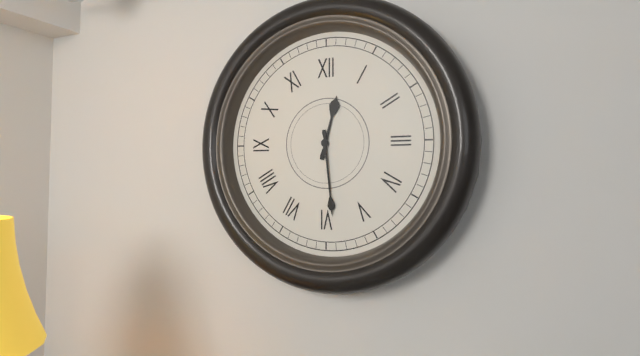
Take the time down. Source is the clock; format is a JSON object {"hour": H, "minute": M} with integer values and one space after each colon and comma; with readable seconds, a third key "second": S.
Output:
{"hour": 12, "minute": 29}
